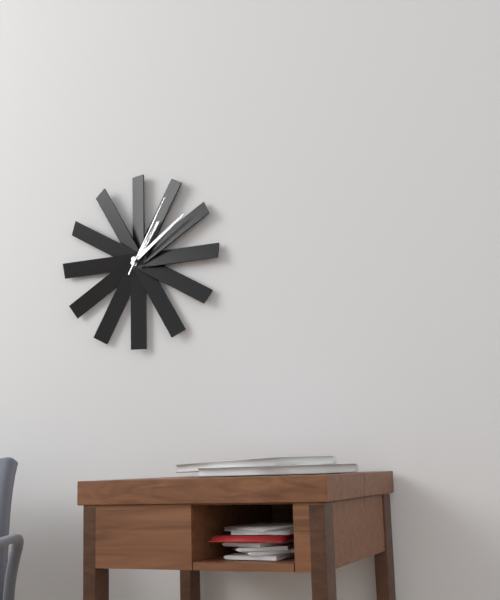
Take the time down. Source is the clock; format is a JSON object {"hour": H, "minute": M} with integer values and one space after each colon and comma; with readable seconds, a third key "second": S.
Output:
{"hour": 1, "minute": 9, "second": 5}
